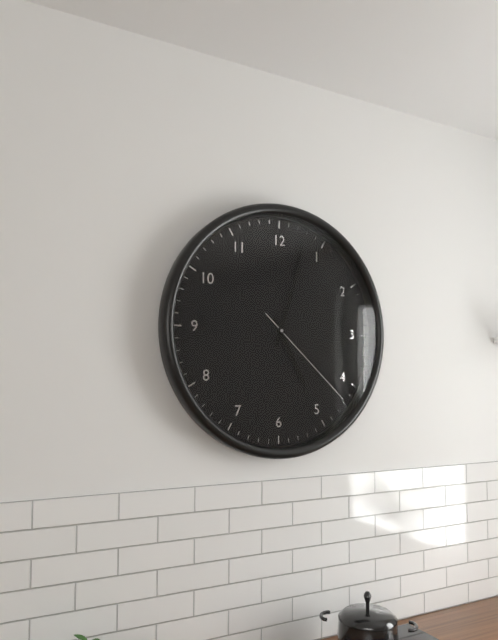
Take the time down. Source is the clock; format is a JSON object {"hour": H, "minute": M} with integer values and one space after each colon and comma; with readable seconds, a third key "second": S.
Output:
{"hour": 5, "minute": 3, "second": 22}
